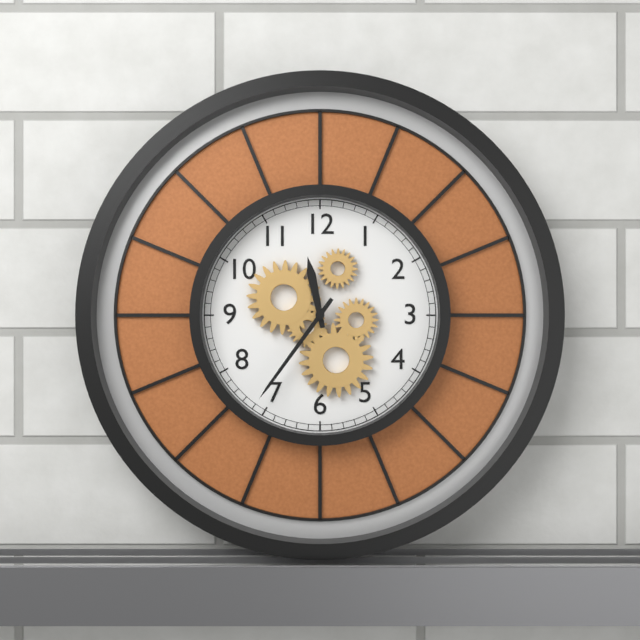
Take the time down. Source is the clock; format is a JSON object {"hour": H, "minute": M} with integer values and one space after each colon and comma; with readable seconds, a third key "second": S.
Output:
{"hour": 11, "minute": 36}
